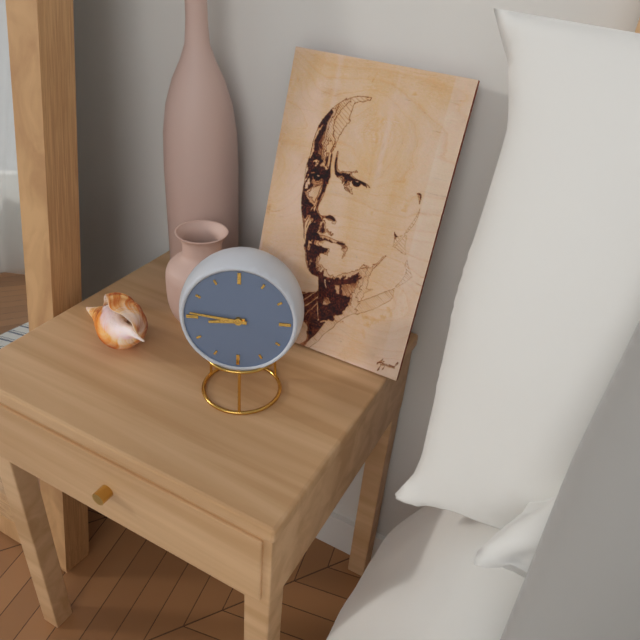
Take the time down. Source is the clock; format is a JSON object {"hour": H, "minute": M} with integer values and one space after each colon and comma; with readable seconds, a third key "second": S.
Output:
{"hour": 8, "minute": 46}
